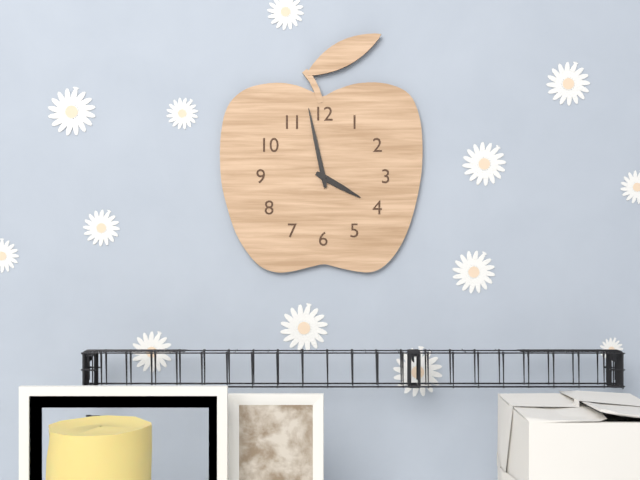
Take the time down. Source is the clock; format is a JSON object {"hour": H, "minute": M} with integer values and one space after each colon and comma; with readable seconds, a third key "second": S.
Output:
{"hour": 3, "minute": 58}
